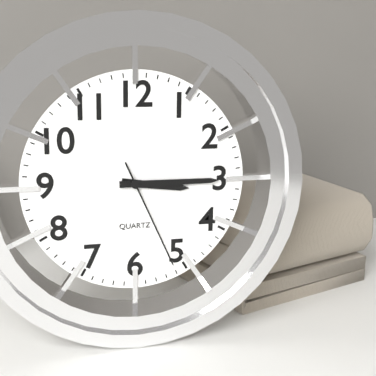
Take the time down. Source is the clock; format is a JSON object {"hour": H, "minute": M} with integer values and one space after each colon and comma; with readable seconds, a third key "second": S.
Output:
{"hour": 3, "minute": 15, "second": 26}
